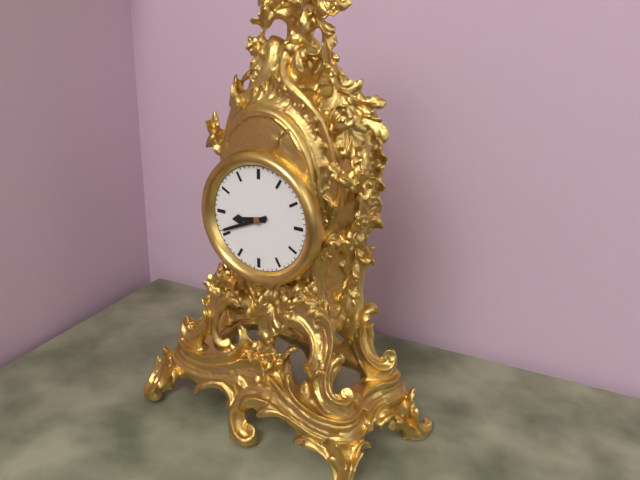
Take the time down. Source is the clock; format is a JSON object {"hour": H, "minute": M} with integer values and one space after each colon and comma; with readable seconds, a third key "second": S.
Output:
{"hour": 8, "minute": 41}
